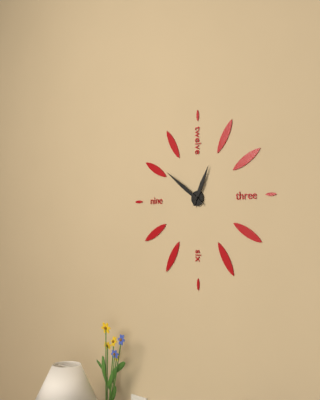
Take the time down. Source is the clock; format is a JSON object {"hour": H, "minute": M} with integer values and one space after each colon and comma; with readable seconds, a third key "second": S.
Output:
{"hour": 12, "minute": 51}
